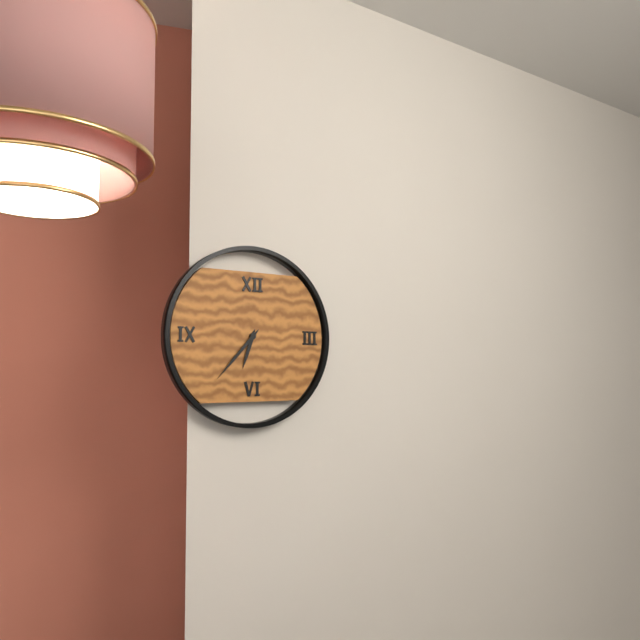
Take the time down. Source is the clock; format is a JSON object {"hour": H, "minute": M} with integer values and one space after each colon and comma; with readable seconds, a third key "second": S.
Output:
{"hour": 6, "minute": 37}
